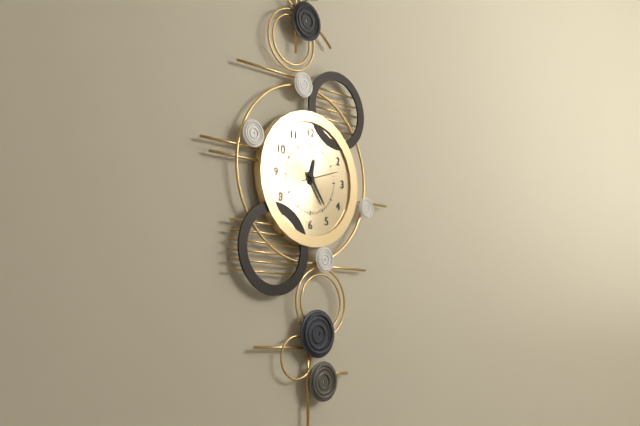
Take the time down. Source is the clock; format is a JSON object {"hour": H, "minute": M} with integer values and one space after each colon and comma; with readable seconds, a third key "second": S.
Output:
{"hour": 12, "minute": 24}
